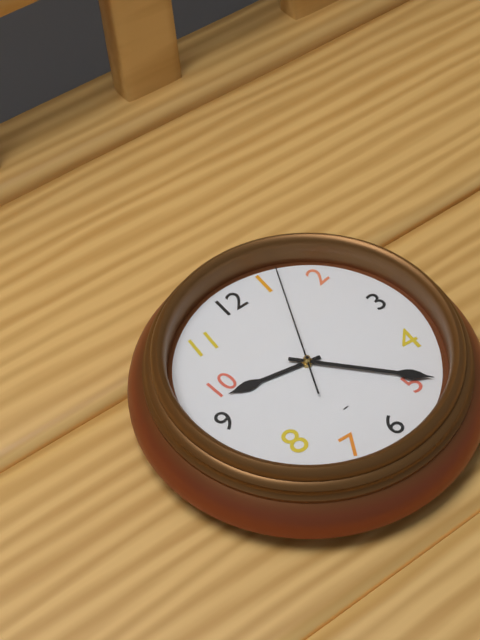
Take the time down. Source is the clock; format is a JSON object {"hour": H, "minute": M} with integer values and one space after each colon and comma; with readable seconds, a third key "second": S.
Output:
{"hour": 9, "minute": 23, "second": 4}
